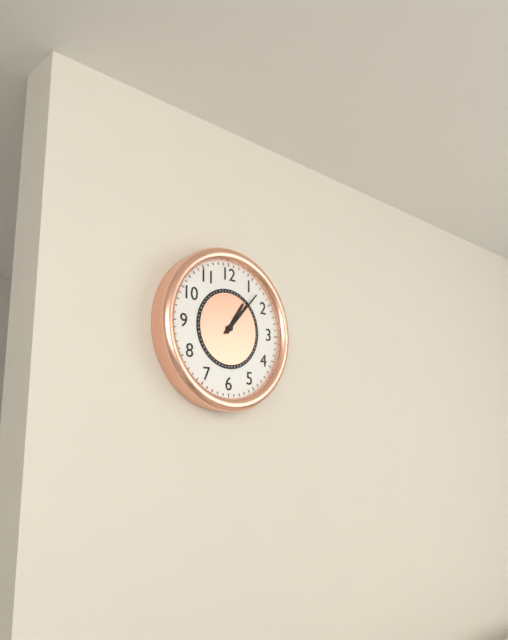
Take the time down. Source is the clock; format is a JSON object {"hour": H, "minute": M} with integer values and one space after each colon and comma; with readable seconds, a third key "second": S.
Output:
{"hour": 1, "minute": 7}
